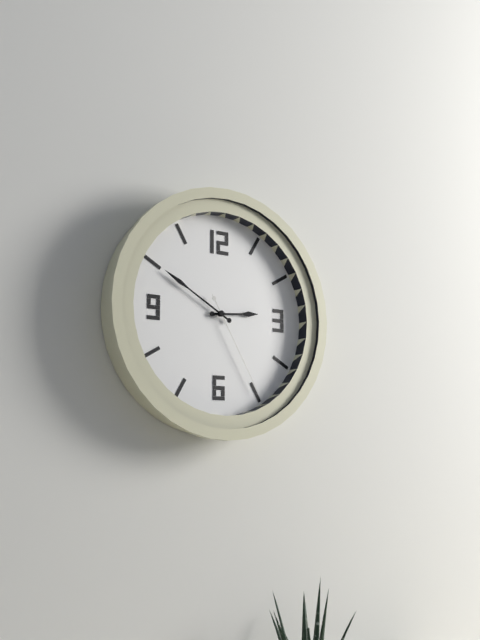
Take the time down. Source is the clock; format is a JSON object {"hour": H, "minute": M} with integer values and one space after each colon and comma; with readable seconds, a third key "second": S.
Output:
{"hour": 2, "minute": 50, "second": 25}
